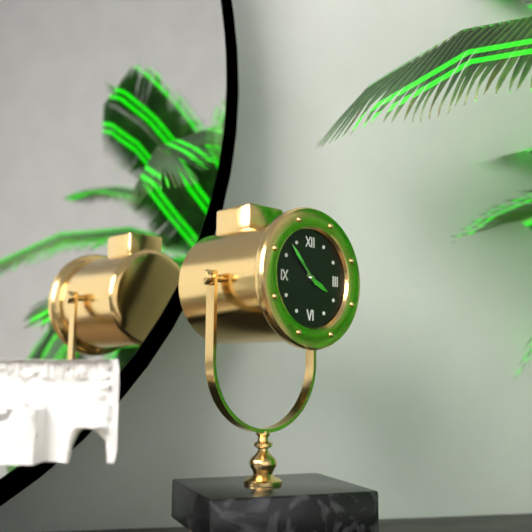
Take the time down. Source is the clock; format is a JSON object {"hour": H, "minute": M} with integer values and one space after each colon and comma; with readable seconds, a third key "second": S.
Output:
{"hour": 3, "minute": 53}
